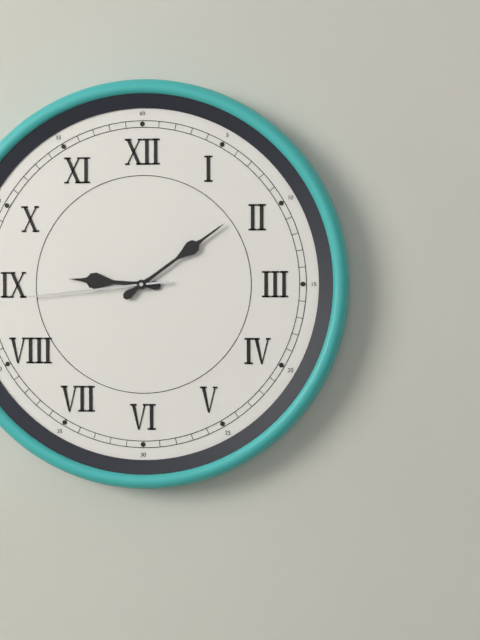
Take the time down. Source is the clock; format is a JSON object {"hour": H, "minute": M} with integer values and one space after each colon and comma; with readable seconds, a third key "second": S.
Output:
{"hour": 9, "minute": 9, "second": 44}
